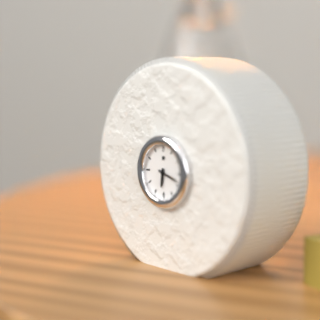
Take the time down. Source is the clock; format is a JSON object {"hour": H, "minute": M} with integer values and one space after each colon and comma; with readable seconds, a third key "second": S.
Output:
{"hour": 6, "minute": 18}
